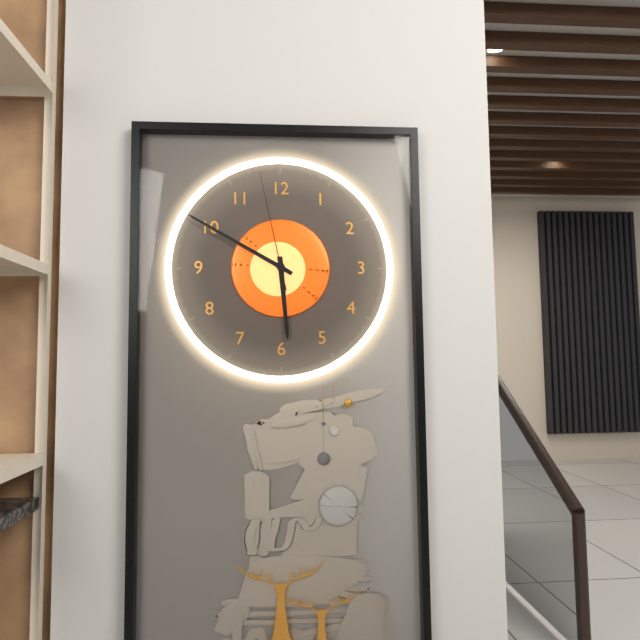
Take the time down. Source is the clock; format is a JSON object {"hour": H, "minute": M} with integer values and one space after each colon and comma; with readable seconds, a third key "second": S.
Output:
{"hour": 5, "minute": 50, "second": 58}
